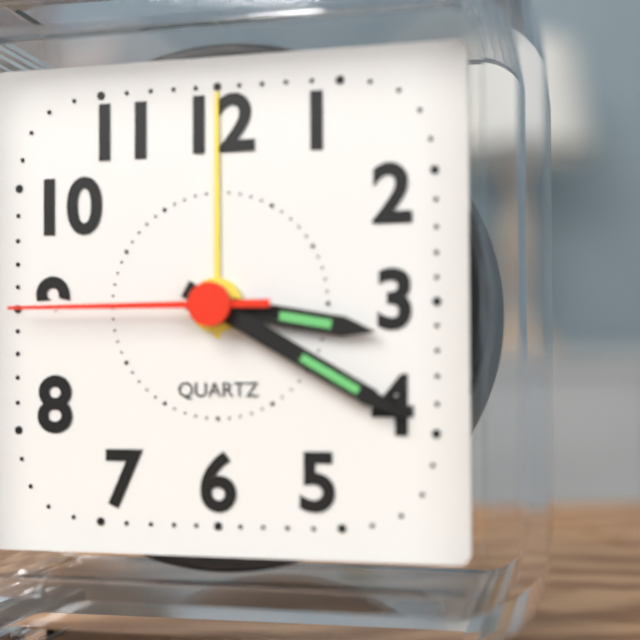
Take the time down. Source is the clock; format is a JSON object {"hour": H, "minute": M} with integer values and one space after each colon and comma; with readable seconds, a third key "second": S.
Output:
{"hour": 3, "minute": 20, "second": 45}
